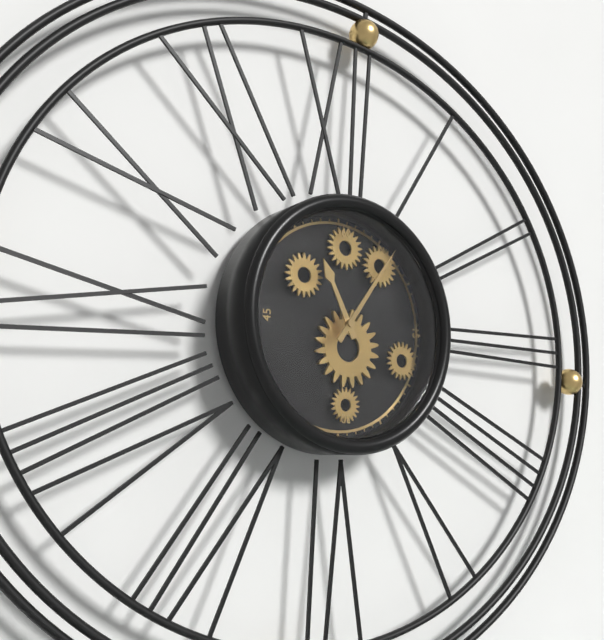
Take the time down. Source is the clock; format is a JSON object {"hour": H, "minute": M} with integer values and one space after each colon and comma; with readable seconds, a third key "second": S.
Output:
{"hour": 11, "minute": 6}
